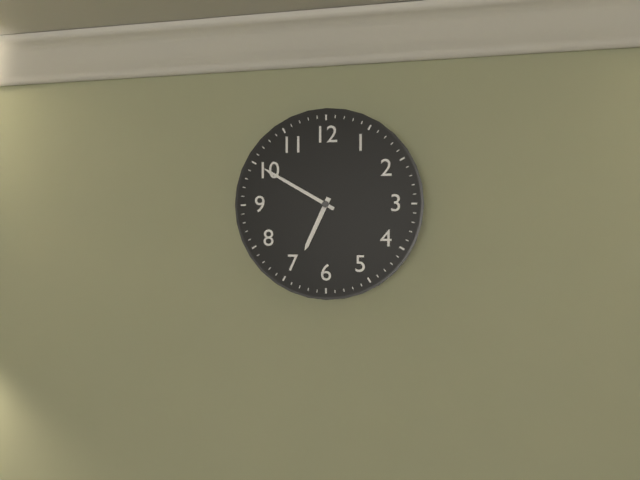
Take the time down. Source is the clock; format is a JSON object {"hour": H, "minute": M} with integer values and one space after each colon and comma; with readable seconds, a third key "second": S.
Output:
{"hour": 6, "minute": 50}
